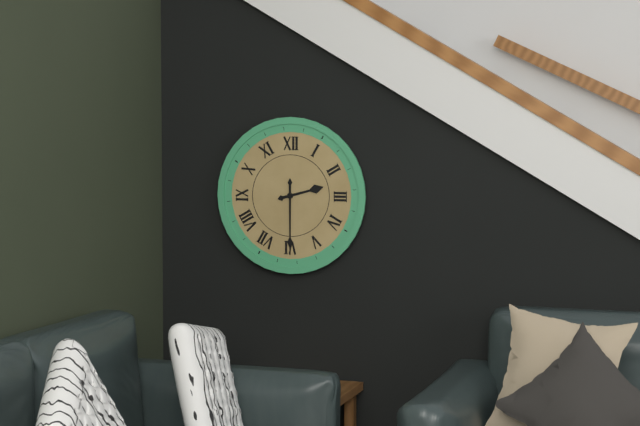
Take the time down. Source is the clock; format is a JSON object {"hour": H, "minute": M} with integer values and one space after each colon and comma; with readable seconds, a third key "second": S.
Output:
{"hour": 2, "minute": 30}
